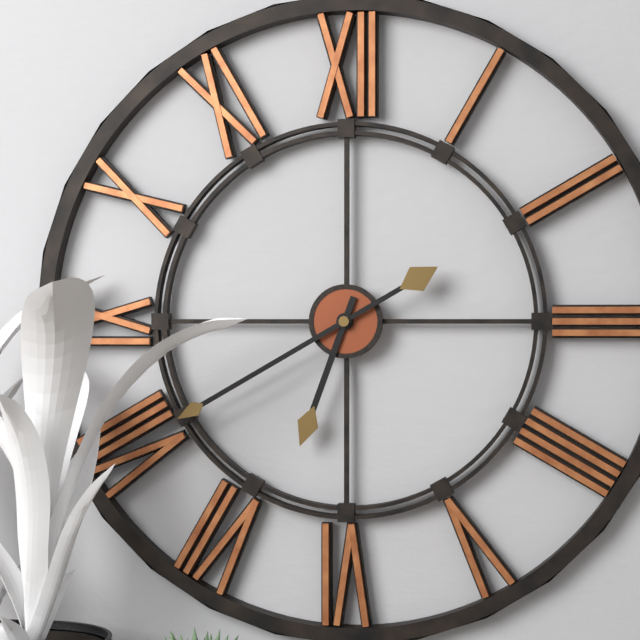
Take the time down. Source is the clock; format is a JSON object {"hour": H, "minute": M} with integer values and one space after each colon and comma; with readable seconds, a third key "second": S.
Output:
{"hour": 6, "minute": 40}
